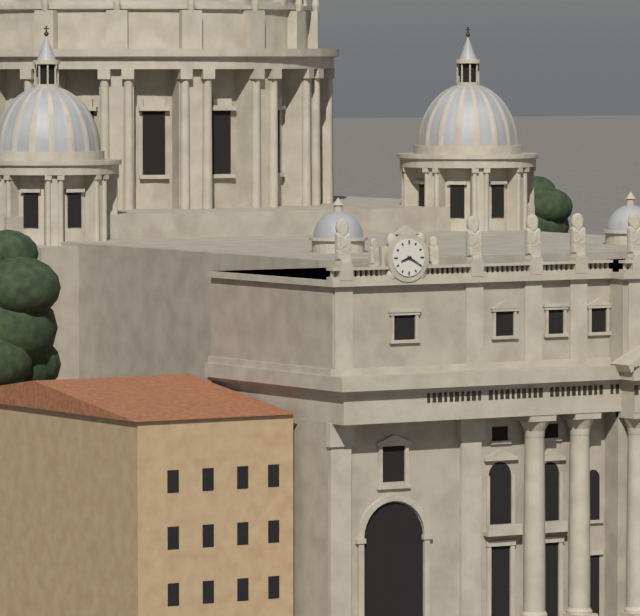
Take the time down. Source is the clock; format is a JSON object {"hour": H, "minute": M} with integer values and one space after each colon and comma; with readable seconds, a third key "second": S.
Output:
{"hour": 8, "minute": 20}
